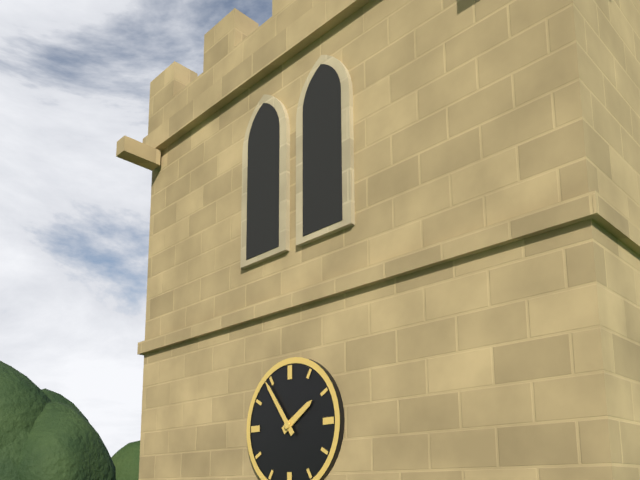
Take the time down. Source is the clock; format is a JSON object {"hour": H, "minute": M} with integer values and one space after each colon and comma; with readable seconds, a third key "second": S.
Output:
{"hour": 1, "minute": 54}
